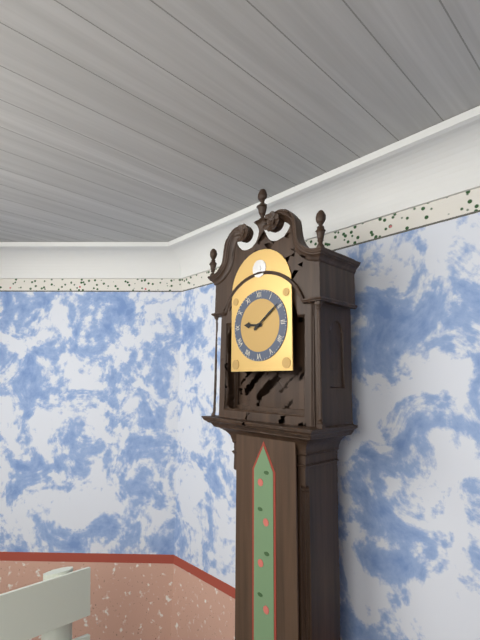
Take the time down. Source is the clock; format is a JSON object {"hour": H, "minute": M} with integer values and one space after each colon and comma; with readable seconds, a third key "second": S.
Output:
{"hour": 9, "minute": 9}
